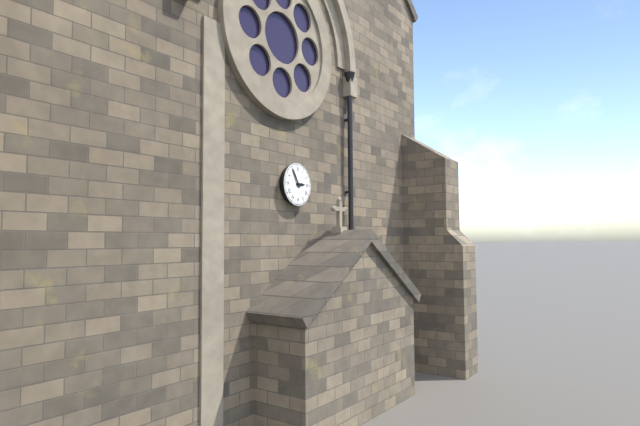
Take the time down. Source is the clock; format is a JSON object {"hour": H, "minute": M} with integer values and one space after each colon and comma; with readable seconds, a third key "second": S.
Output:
{"hour": 2, "minute": 55}
